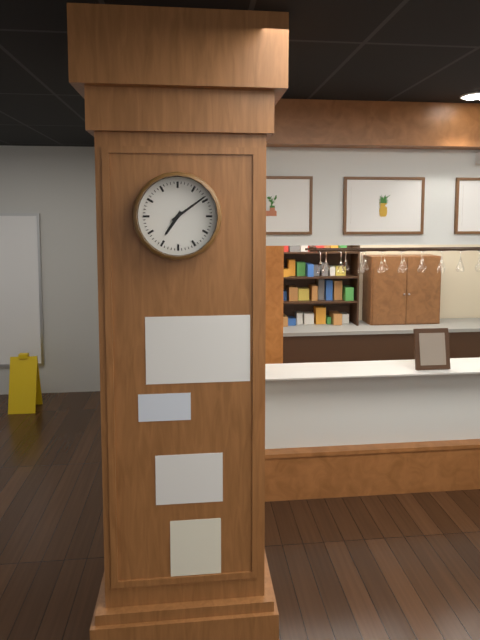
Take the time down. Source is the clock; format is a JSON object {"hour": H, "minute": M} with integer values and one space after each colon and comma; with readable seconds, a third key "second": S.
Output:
{"hour": 7, "minute": 9}
